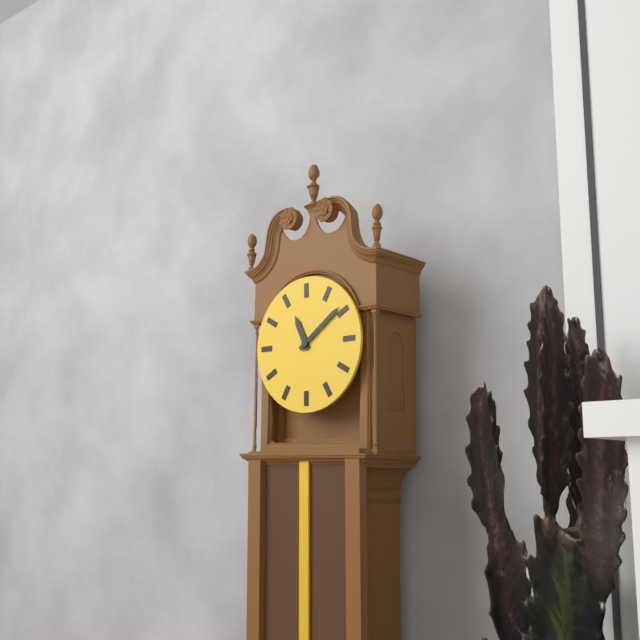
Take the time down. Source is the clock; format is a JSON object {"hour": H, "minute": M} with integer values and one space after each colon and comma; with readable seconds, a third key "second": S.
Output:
{"hour": 11, "minute": 9}
